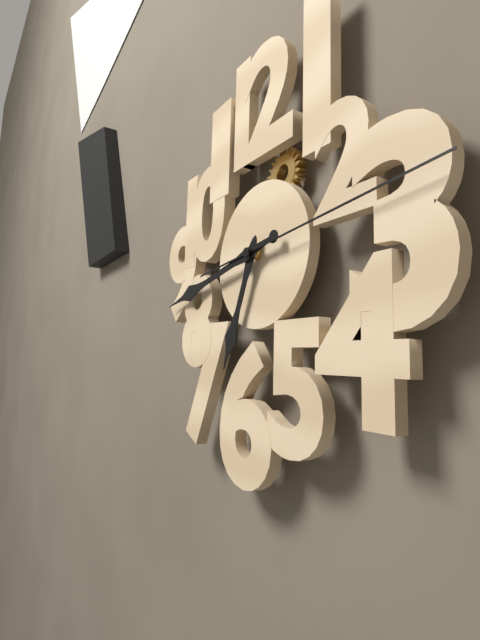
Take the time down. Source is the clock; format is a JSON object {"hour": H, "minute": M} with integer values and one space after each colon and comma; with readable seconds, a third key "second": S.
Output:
{"hour": 6, "minute": 43, "second": 14}
